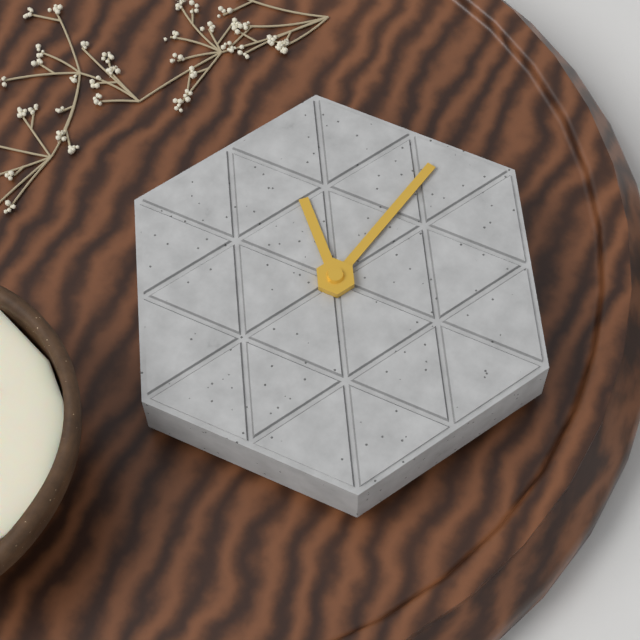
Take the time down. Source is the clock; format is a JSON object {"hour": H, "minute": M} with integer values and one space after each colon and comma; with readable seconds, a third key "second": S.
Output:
{"hour": 4, "minute": 32}
